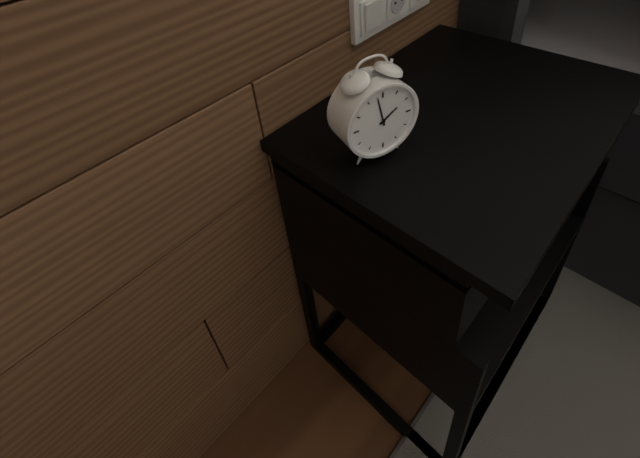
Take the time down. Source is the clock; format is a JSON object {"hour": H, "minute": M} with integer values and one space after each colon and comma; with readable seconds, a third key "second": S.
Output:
{"hour": 1, "minute": 58}
